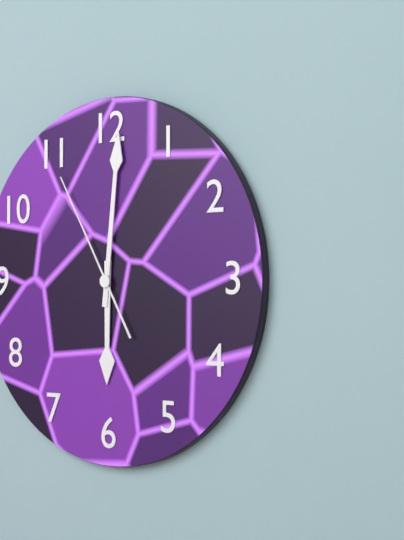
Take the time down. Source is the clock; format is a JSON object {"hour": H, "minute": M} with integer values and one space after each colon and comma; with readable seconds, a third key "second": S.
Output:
{"hour": 6, "minute": 1, "second": 55}
